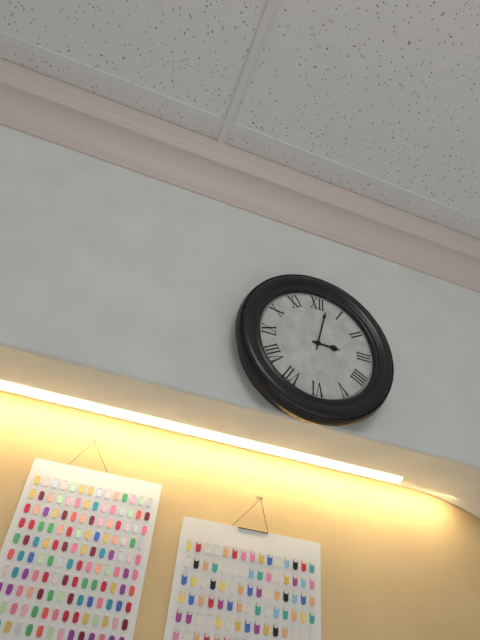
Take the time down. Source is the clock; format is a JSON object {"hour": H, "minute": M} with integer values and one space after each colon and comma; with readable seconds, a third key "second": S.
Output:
{"hour": 3, "minute": 2}
